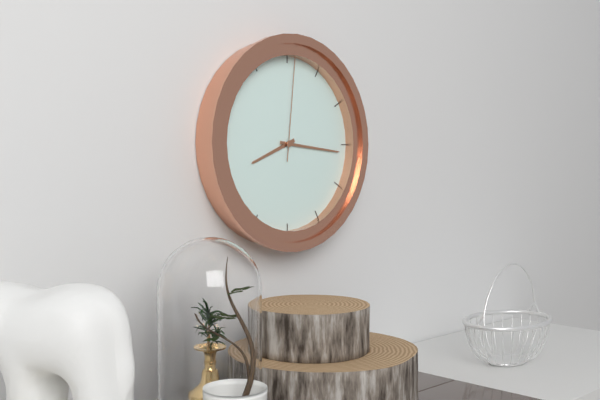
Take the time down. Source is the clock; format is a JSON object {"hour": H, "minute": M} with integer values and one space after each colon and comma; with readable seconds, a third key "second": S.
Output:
{"hour": 8, "minute": 16, "second": 1}
